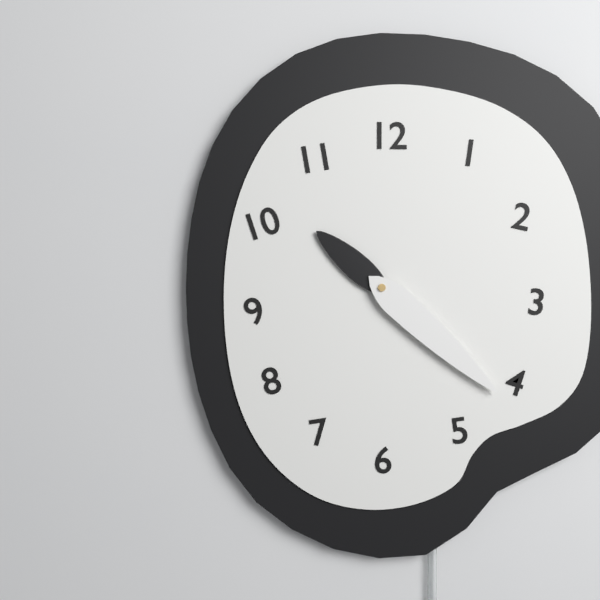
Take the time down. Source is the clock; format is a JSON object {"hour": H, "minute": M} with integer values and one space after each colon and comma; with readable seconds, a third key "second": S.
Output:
{"hour": 10, "minute": 22}
